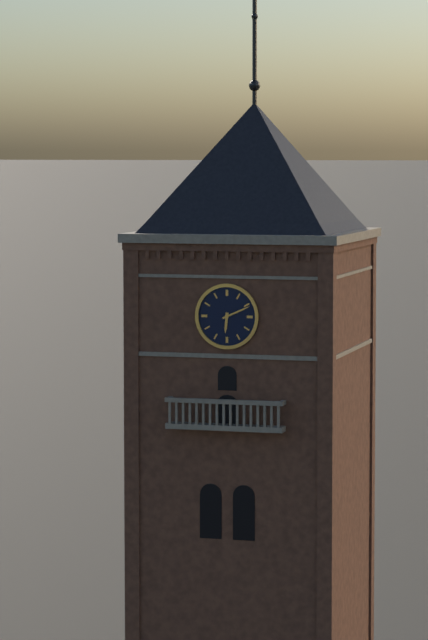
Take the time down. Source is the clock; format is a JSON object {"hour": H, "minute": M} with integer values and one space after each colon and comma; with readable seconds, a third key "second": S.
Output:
{"hour": 6, "minute": 11}
